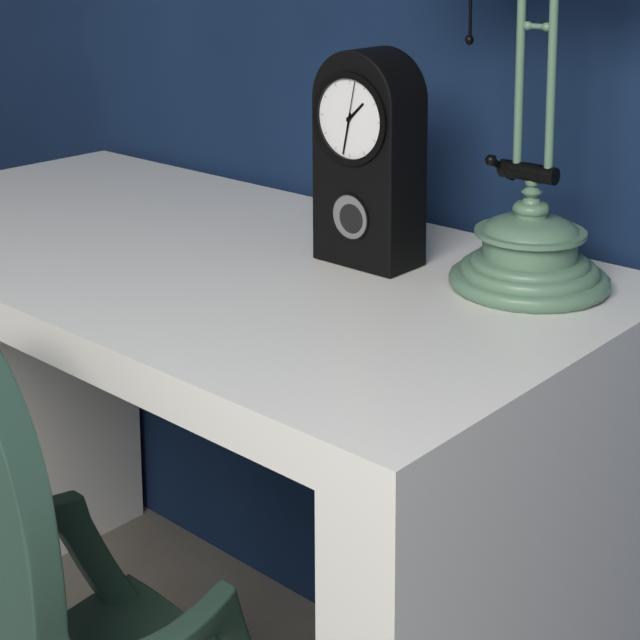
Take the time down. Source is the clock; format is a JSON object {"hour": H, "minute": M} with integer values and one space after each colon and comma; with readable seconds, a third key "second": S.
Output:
{"hour": 1, "minute": 32}
